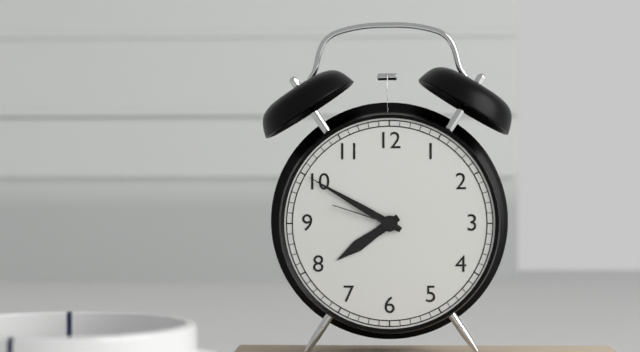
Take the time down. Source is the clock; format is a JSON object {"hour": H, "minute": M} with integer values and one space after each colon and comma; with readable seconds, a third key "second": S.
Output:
{"hour": 7, "minute": 50, "second": 48}
